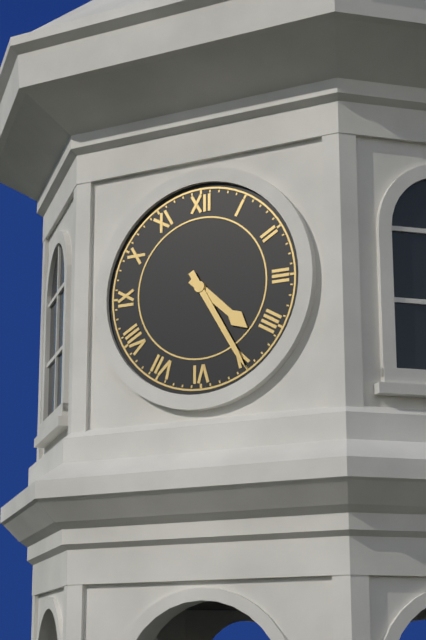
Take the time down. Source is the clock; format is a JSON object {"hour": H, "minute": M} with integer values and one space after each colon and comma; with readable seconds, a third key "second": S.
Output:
{"hour": 4, "minute": 25}
